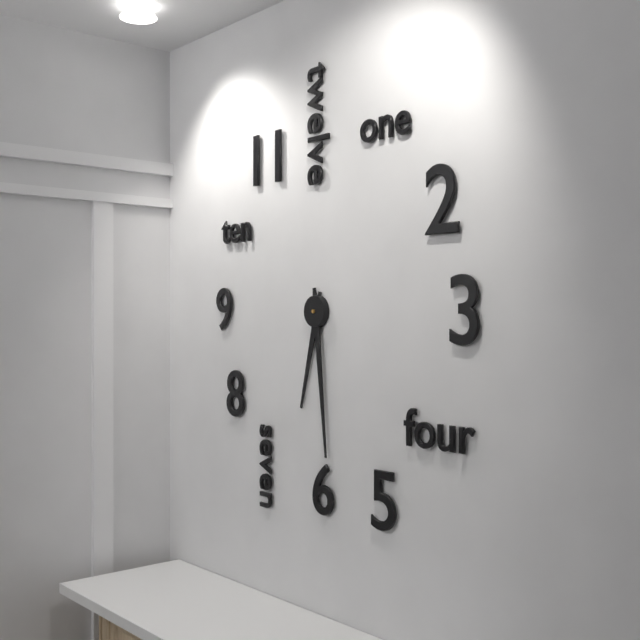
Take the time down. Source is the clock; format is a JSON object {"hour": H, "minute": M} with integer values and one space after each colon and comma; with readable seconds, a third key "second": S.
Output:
{"hour": 6, "minute": 29}
